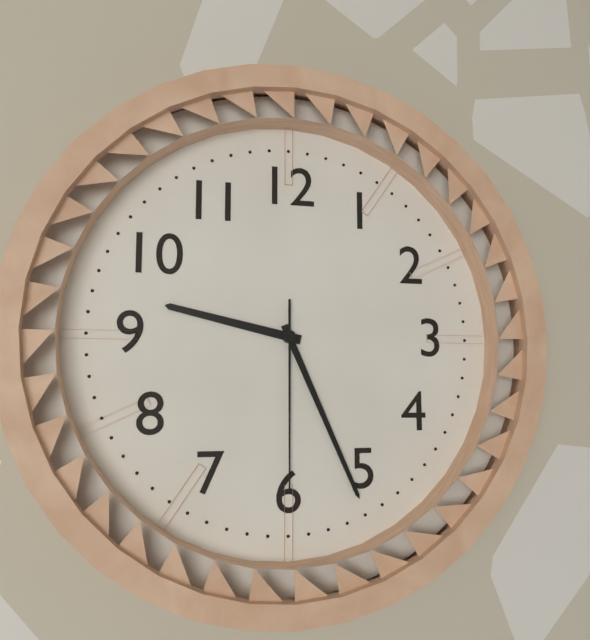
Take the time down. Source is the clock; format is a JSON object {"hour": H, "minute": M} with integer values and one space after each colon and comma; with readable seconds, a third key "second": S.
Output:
{"hour": 9, "minute": 26, "second": 30}
